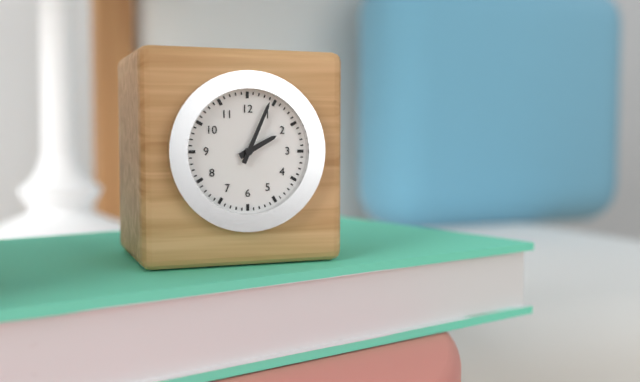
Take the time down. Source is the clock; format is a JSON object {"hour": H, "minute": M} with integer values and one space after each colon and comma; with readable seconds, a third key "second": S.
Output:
{"hour": 2, "minute": 4}
